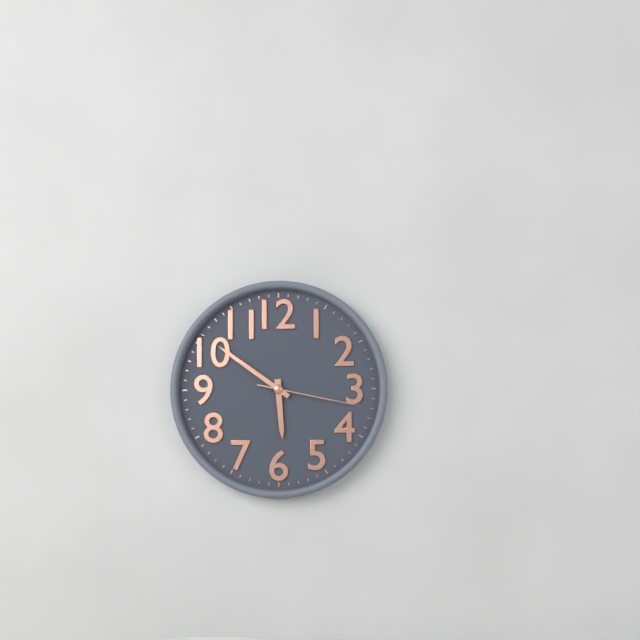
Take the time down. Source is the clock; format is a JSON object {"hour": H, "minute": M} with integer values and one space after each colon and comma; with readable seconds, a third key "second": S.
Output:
{"hour": 5, "minute": 51, "second": 17}
